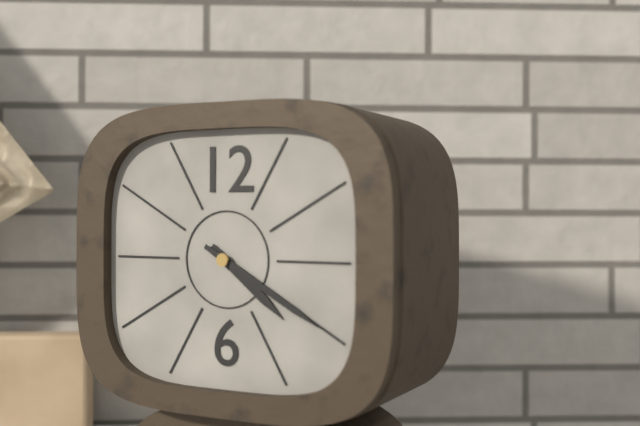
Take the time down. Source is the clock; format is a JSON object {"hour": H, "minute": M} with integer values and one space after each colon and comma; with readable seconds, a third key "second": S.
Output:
{"hour": 4, "minute": 20}
